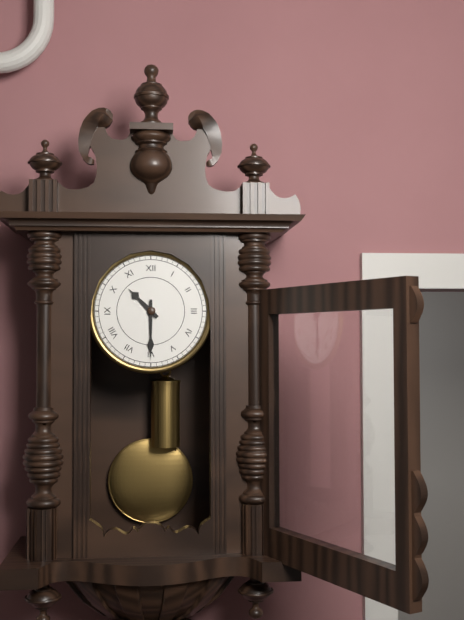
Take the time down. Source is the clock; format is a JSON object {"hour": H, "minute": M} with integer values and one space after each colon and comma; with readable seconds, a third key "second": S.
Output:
{"hour": 10, "minute": 30}
